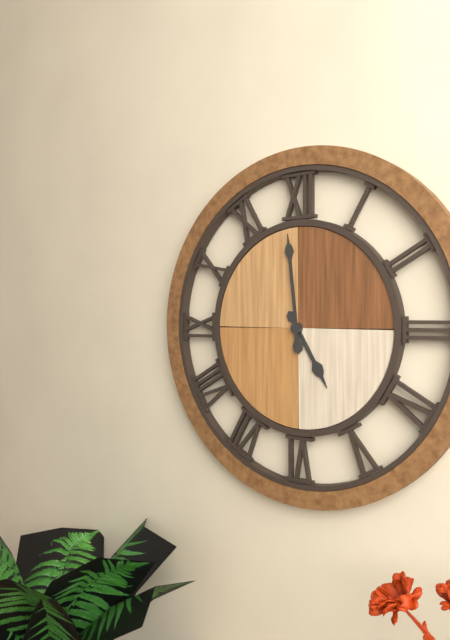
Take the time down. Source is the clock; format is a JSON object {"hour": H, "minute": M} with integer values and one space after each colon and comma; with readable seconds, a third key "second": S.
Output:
{"hour": 4, "minute": 59}
